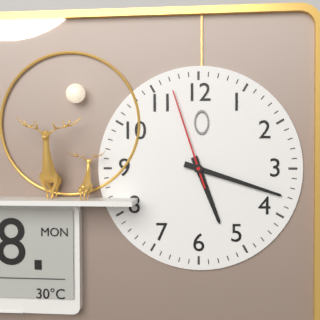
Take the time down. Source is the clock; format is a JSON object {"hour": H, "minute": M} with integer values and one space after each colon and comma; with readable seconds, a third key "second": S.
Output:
{"hour": 5, "minute": 18, "second": 57}
